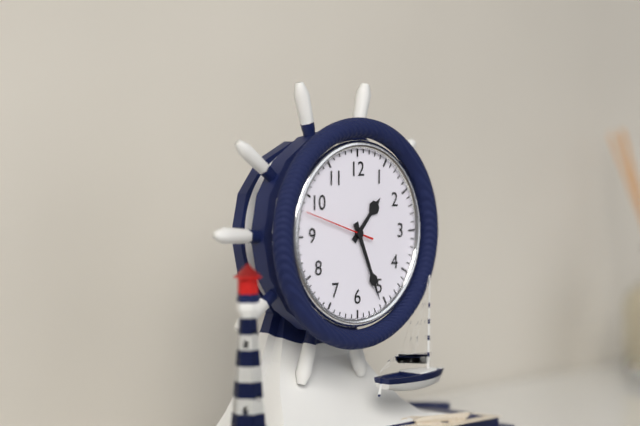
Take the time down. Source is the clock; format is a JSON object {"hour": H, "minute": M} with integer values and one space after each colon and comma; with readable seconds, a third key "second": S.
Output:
{"hour": 1, "minute": 26, "second": 48}
